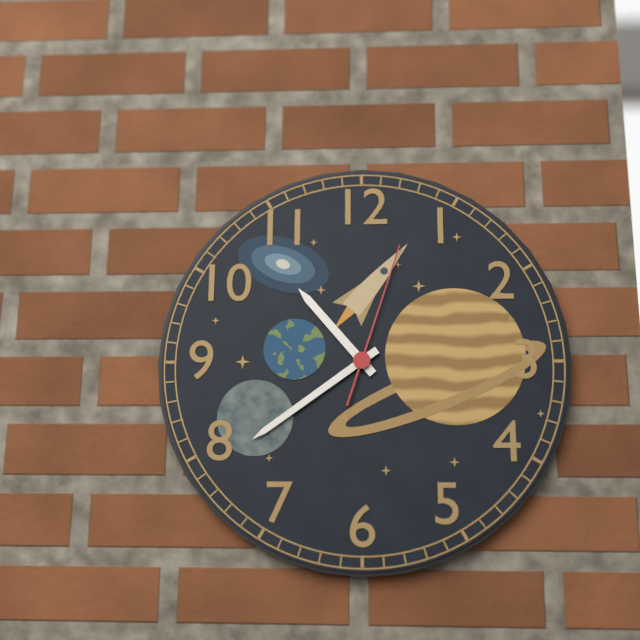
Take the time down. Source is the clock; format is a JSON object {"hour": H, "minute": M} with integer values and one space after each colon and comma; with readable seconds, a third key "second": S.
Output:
{"hour": 10, "minute": 39, "second": 3}
